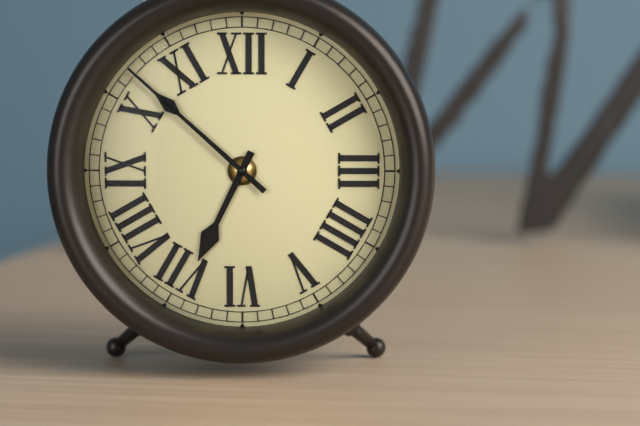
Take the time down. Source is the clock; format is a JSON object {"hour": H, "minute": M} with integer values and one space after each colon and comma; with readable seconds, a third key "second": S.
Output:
{"hour": 6, "minute": 52}
